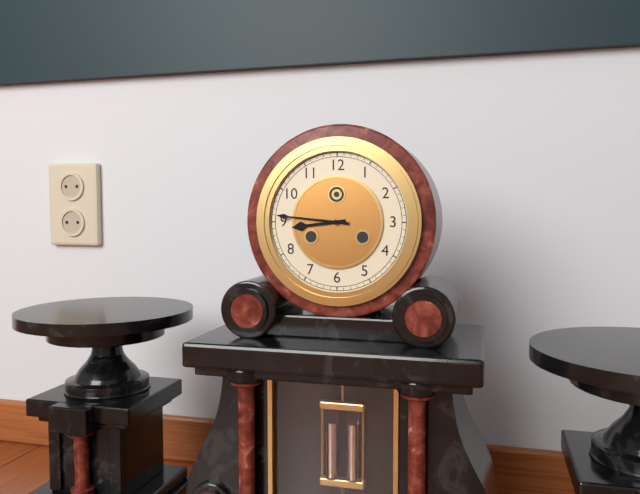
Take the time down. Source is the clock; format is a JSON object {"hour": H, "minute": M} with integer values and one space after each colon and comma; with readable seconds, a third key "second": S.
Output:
{"hour": 8, "minute": 46}
